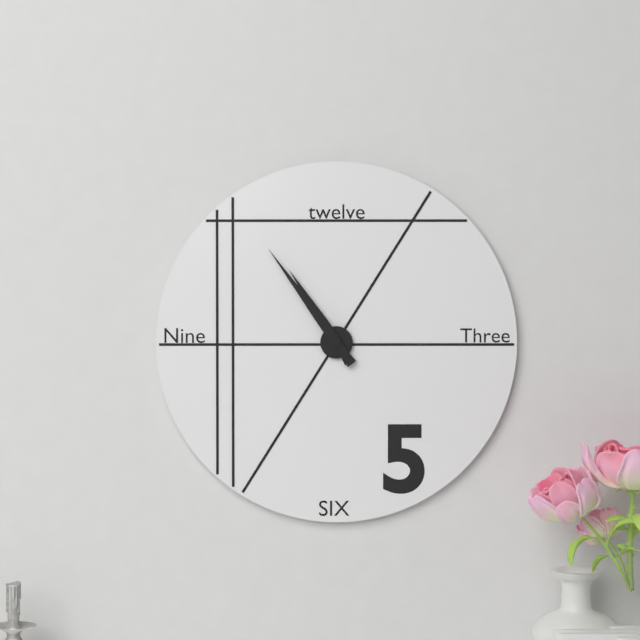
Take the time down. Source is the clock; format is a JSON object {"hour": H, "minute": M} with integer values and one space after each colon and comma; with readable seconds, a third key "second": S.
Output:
{"hour": 10, "minute": 54}
